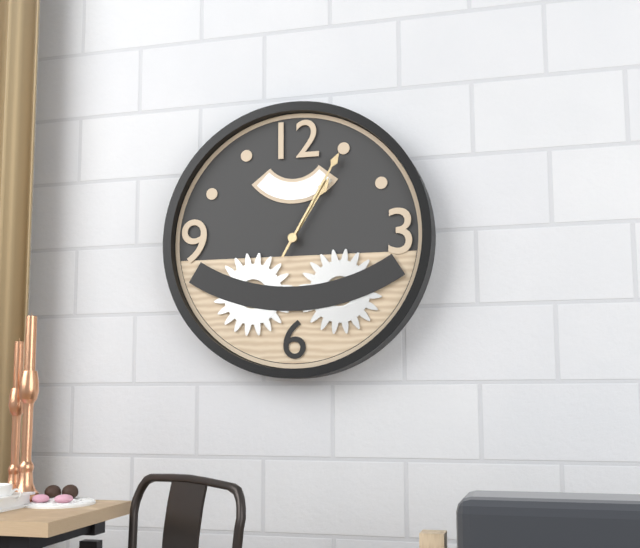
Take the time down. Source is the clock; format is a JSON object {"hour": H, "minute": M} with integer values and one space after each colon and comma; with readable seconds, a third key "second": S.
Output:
{"hour": 1, "minute": 5}
